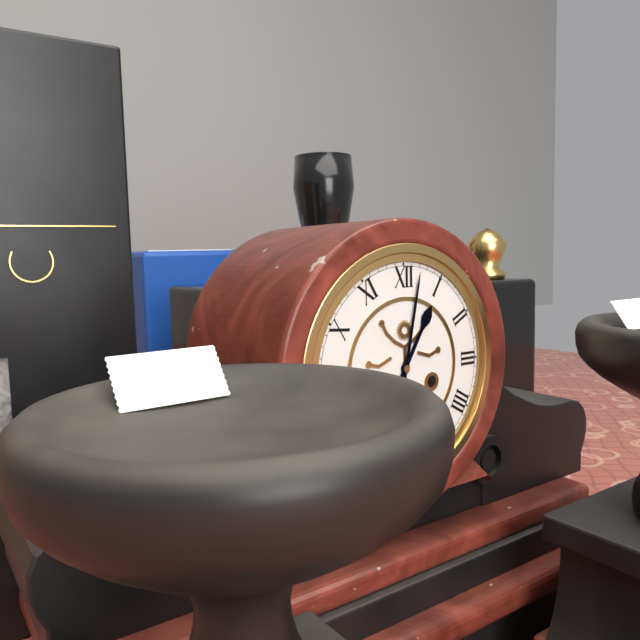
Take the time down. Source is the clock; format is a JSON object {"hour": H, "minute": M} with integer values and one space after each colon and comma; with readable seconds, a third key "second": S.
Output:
{"hour": 1, "minute": 2}
